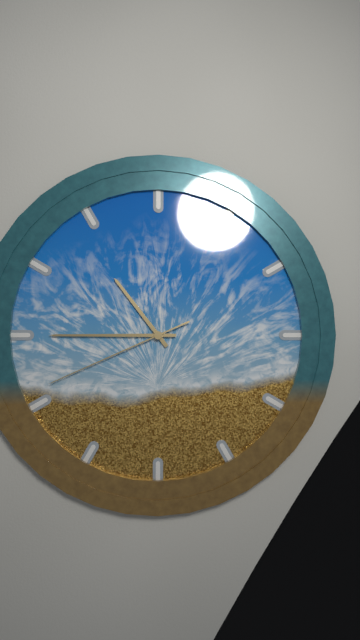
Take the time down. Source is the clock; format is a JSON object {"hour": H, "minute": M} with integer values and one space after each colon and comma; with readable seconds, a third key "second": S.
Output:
{"hour": 10, "minute": 45, "second": 41}
